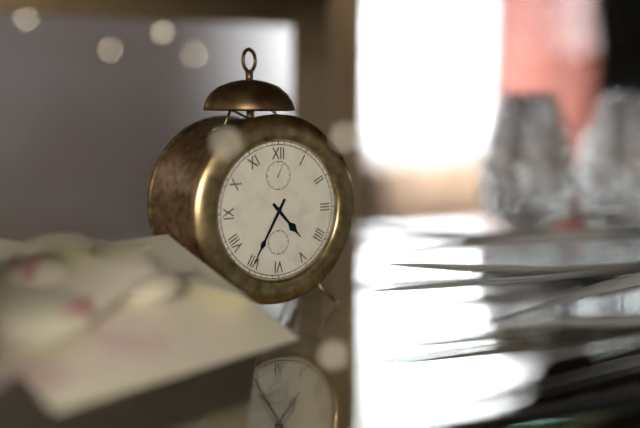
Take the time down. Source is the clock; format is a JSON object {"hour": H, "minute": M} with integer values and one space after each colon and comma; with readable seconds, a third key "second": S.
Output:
{"hour": 4, "minute": 35}
